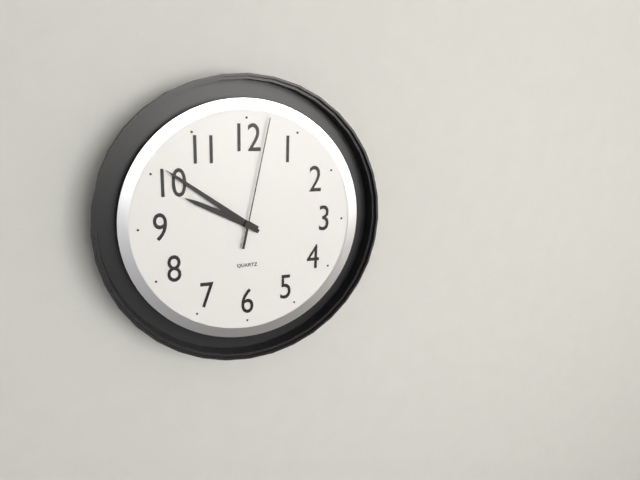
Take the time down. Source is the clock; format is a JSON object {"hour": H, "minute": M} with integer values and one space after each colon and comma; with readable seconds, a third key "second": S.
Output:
{"hour": 9, "minute": 51, "second": 2}
